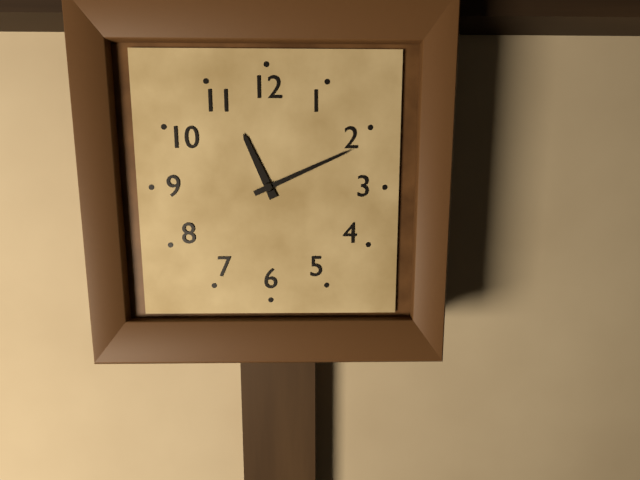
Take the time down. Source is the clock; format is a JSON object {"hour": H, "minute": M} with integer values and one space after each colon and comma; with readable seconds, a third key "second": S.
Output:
{"hour": 11, "minute": 11}
